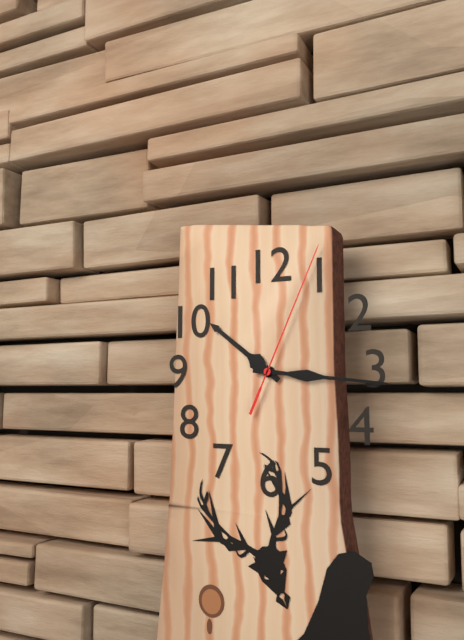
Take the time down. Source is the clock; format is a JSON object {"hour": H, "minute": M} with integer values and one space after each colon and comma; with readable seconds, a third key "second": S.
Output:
{"hour": 10, "minute": 16, "second": 4}
